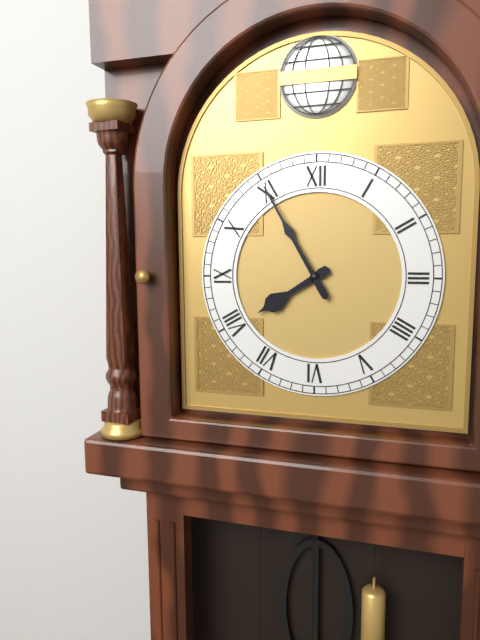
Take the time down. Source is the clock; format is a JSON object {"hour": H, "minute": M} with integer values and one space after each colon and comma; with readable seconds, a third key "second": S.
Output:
{"hour": 7, "minute": 55}
